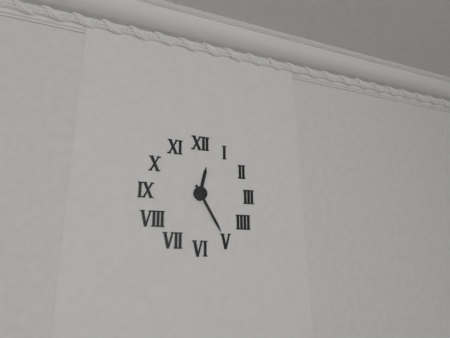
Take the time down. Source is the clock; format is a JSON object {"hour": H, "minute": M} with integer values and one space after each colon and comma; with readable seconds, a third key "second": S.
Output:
{"hour": 12, "minute": 25}
